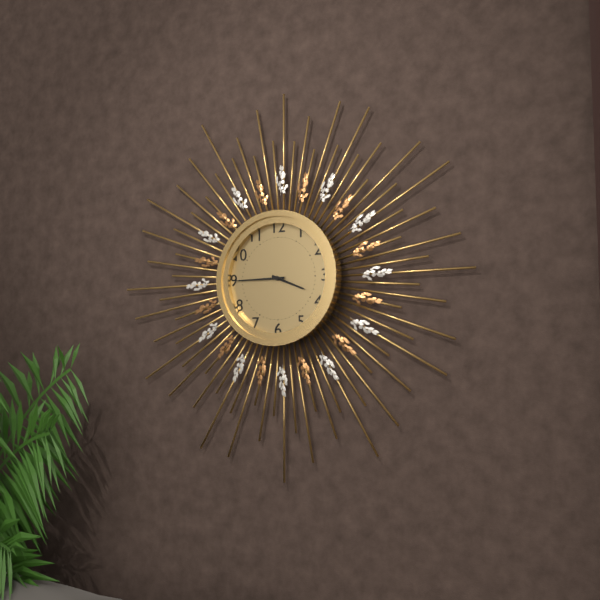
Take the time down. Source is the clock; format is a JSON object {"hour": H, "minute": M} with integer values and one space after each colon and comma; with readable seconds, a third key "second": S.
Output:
{"hour": 3, "minute": 45}
